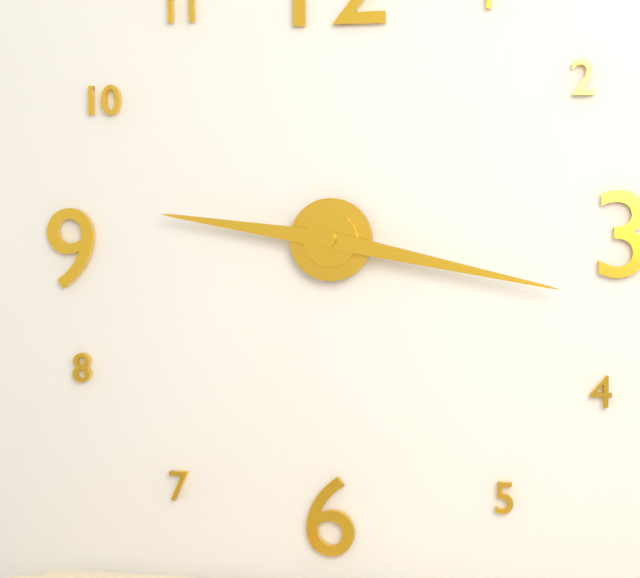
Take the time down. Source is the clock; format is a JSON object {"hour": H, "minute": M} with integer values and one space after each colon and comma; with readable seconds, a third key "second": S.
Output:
{"hour": 9, "minute": 17}
